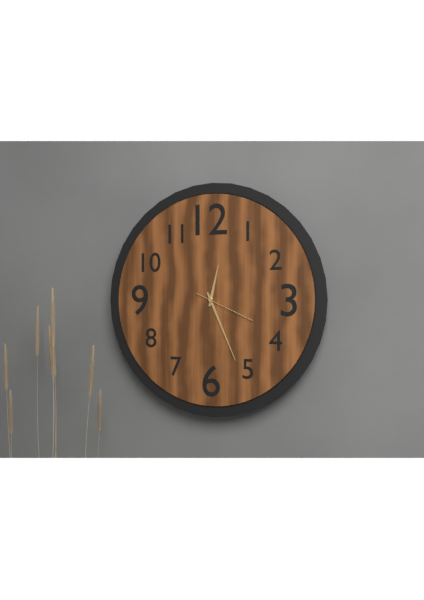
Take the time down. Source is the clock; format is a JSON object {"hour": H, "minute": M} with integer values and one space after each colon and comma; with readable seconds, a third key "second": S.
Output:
{"hour": 12, "minute": 26, "second": 19}
